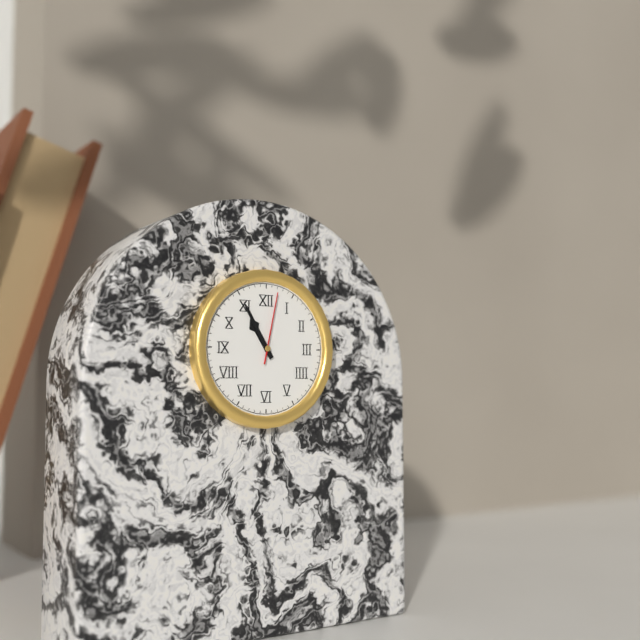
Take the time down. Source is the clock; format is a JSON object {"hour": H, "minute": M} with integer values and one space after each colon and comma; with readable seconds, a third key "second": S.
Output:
{"hour": 10, "minute": 55, "second": 2}
